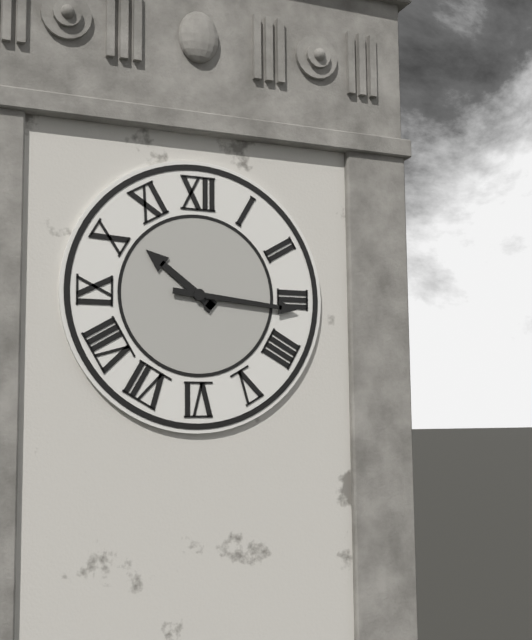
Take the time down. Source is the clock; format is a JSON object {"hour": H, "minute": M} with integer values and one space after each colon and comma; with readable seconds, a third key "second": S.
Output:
{"hour": 10, "minute": 16}
